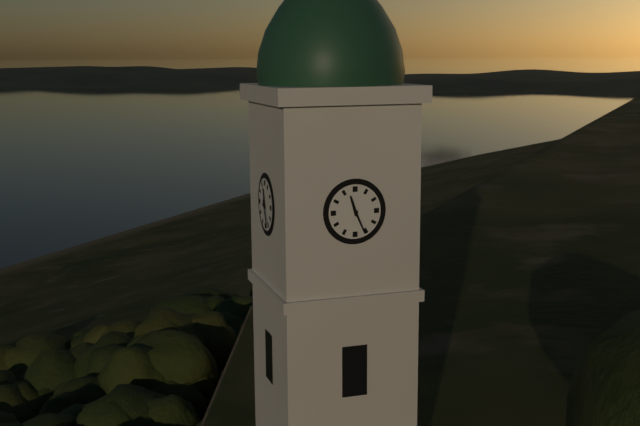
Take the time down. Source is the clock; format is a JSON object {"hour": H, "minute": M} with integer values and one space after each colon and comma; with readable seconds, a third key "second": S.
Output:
{"hour": 11, "minute": 26}
